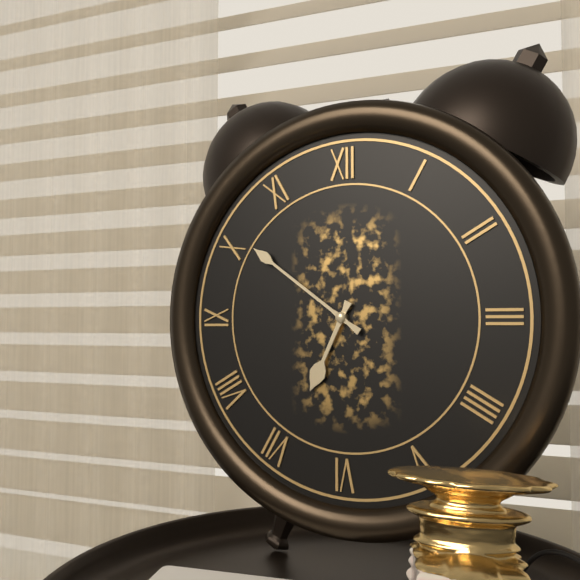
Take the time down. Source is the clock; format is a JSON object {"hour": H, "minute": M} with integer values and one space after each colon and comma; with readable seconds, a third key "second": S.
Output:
{"hour": 6, "minute": 51}
